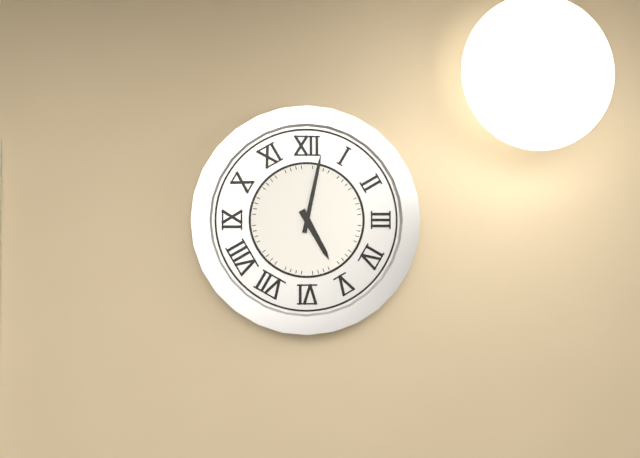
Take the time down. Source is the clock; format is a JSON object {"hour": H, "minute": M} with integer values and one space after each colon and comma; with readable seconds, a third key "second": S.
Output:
{"hour": 5, "minute": 2}
